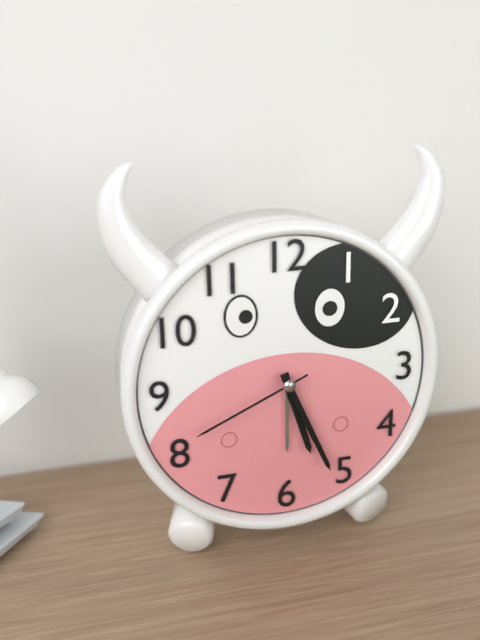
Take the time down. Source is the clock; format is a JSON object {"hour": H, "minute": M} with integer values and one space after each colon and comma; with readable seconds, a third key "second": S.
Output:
{"hour": 5, "minute": 26, "second": 41}
